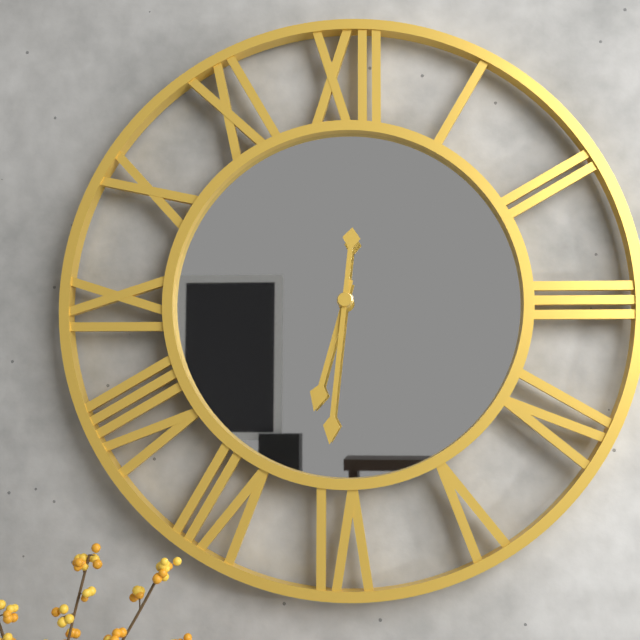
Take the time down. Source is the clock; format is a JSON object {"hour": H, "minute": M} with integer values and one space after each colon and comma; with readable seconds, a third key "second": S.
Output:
{"hour": 6, "minute": 31}
